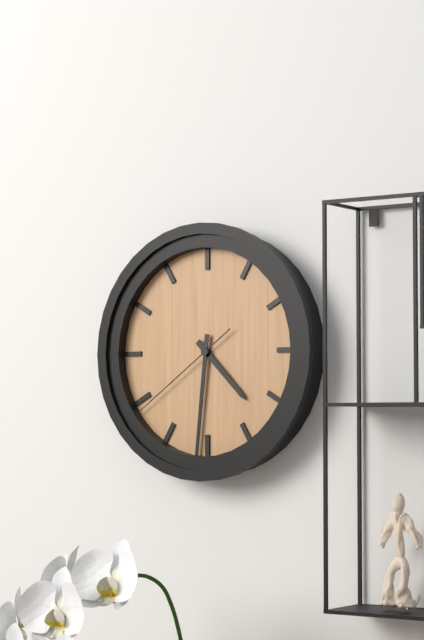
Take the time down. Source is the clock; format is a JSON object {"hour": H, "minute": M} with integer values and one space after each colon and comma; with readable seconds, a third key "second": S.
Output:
{"hour": 4, "minute": 31, "second": 39}
